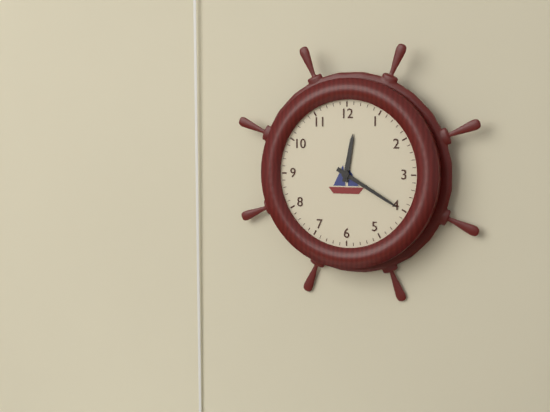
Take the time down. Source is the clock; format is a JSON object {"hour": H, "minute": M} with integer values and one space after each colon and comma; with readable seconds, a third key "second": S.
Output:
{"hour": 12, "minute": 20}
